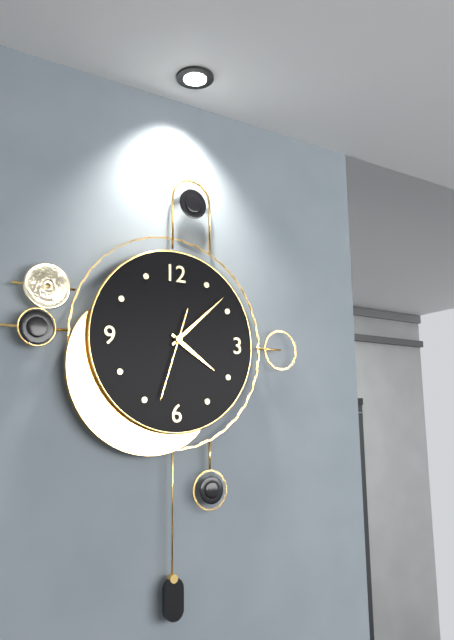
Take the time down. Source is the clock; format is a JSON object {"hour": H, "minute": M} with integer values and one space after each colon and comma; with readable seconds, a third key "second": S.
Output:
{"hour": 4, "minute": 8, "second": 33}
